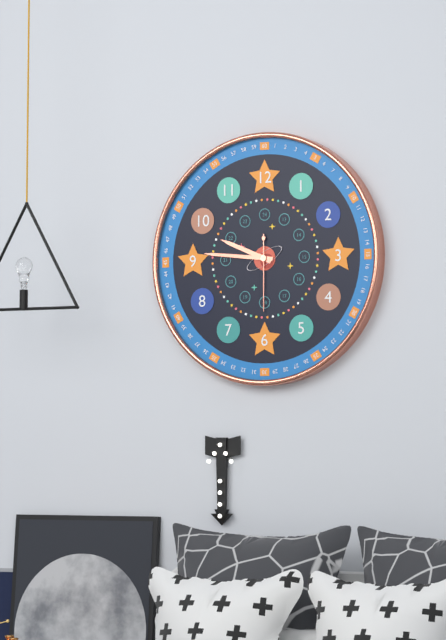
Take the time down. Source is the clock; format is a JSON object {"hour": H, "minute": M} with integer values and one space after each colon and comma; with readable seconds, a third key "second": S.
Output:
{"hour": 9, "minute": 46, "second": 30}
